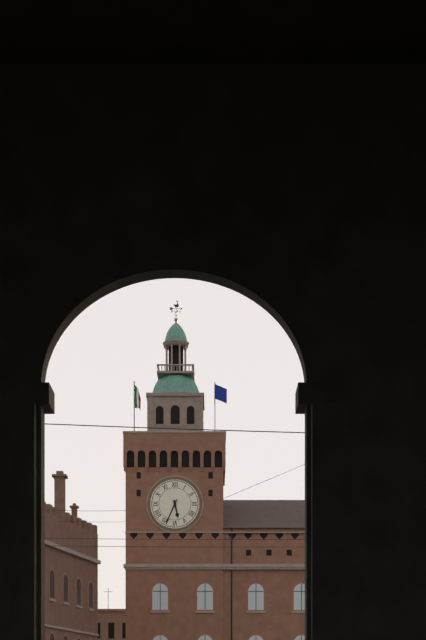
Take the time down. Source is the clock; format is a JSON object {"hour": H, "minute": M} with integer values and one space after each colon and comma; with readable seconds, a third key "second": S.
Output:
{"hour": 5, "minute": 34}
